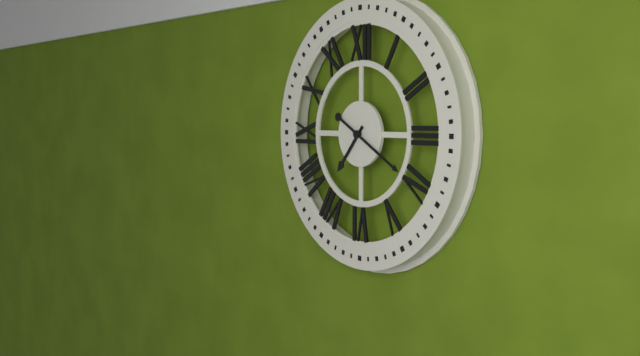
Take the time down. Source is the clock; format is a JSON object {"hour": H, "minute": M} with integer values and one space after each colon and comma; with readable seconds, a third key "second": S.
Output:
{"hour": 7, "minute": 20}
